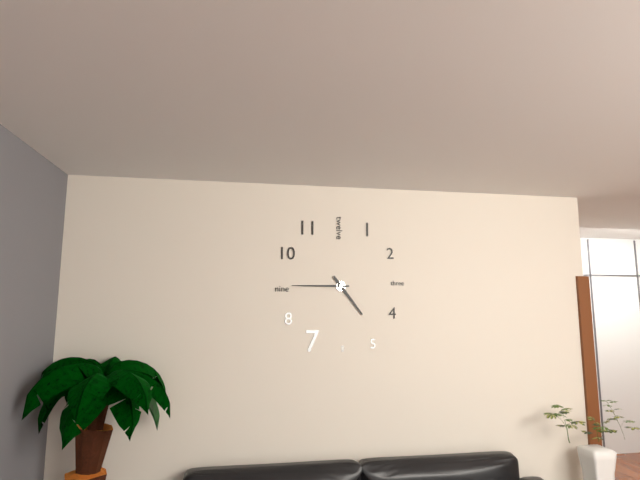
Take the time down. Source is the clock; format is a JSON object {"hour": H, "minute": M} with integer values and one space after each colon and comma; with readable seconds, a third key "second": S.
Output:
{"hour": 4, "minute": 45}
